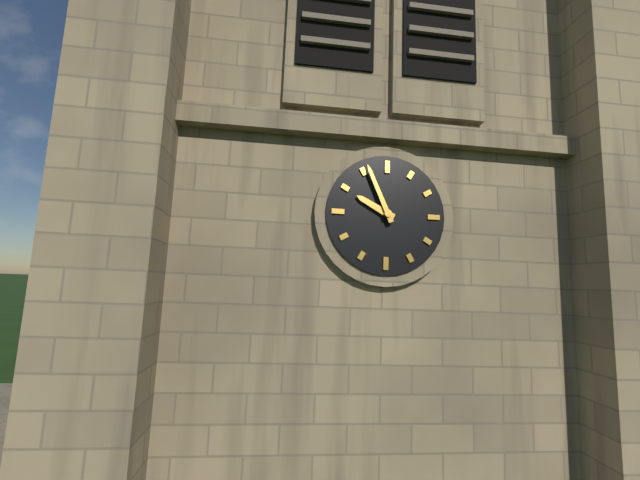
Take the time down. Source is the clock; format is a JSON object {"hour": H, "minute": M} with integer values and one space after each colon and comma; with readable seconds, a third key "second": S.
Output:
{"hour": 9, "minute": 56}
